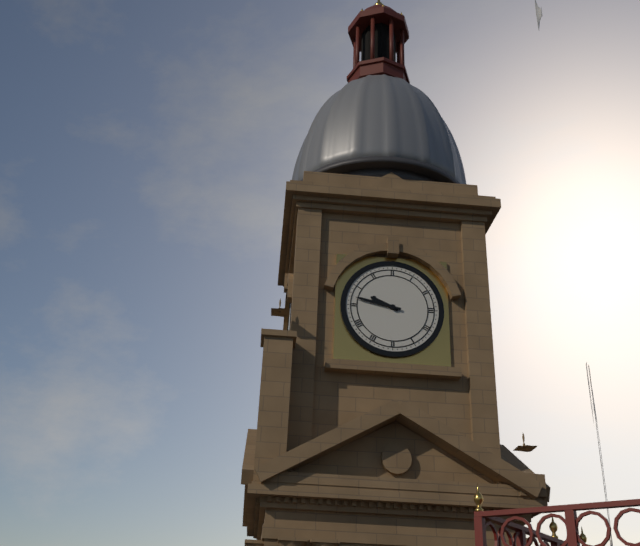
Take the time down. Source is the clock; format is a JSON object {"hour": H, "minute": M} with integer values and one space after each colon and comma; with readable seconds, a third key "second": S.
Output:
{"hour": 9, "minute": 47}
